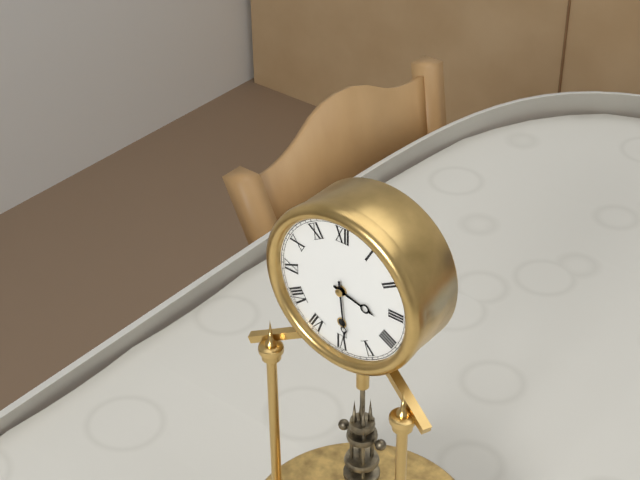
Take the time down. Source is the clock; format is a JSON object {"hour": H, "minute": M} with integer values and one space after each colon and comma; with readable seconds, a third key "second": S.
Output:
{"hour": 3, "minute": 29}
